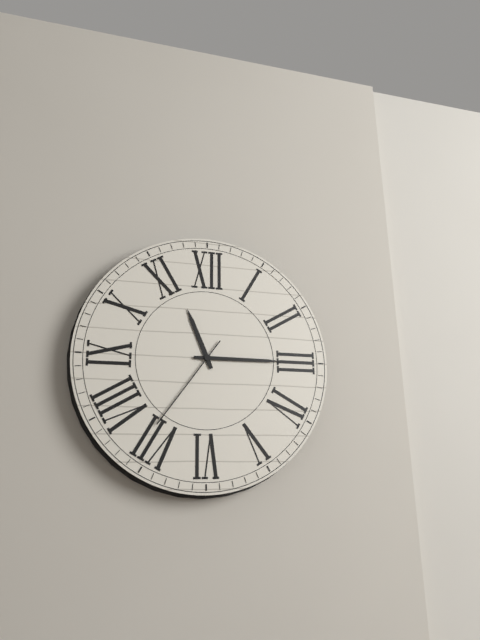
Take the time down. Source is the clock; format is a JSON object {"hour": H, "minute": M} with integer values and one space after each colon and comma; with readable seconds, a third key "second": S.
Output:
{"hour": 11, "minute": 15, "second": 36}
